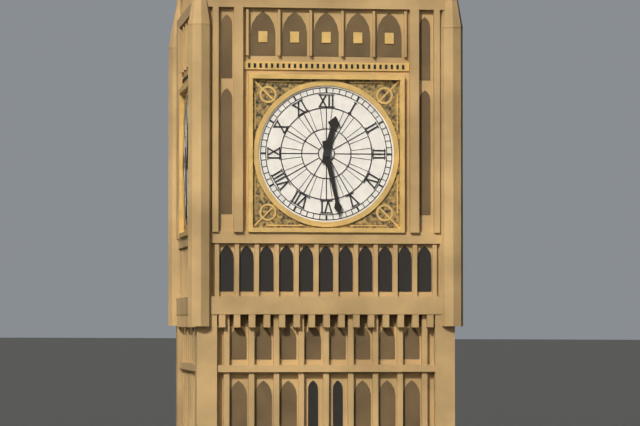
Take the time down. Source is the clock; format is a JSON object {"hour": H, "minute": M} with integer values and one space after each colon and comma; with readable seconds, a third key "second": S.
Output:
{"hour": 12, "minute": 28}
